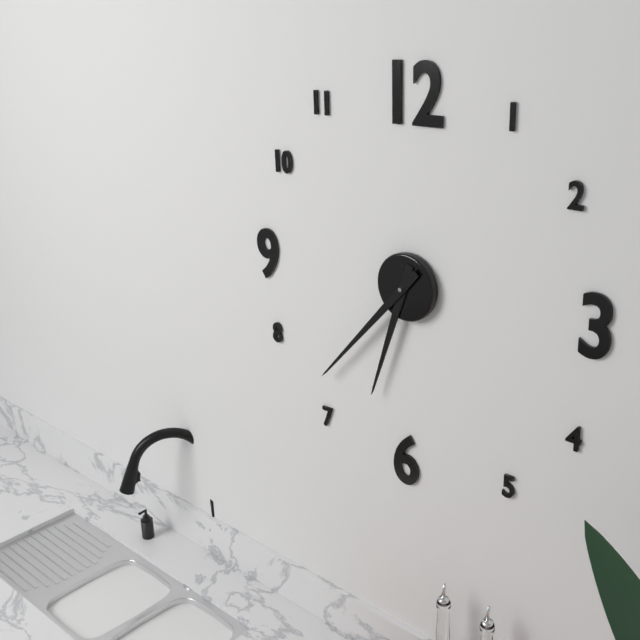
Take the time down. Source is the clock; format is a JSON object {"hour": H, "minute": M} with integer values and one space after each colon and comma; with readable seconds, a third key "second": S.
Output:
{"hour": 6, "minute": 37}
